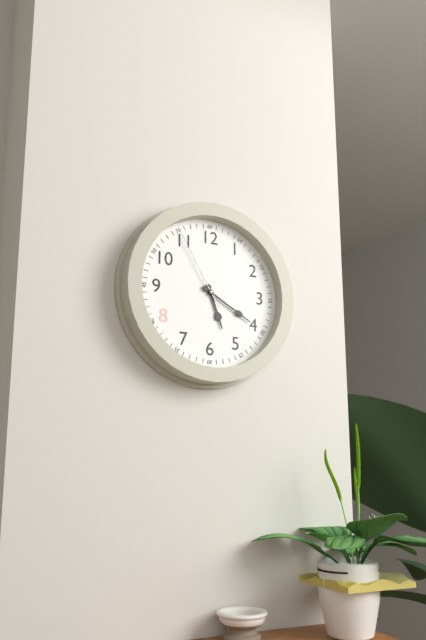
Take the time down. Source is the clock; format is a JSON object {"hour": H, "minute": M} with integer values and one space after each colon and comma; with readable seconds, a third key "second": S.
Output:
{"hour": 5, "minute": 20, "second": 55}
